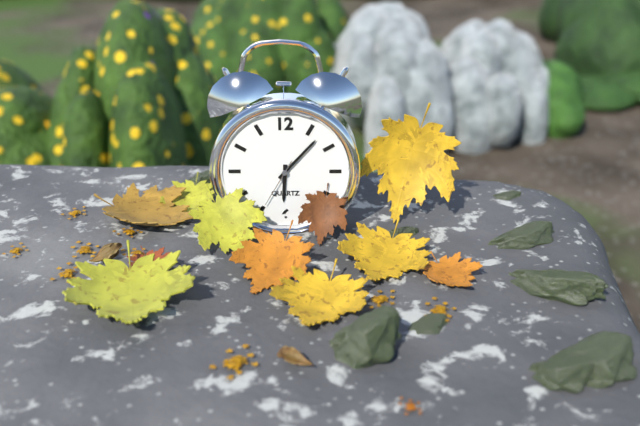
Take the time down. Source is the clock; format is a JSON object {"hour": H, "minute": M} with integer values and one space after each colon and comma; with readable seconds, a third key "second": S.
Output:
{"hour": 6, "minute": 7}
